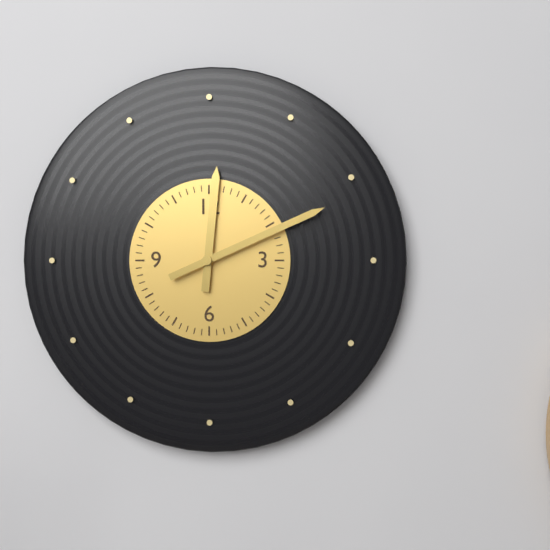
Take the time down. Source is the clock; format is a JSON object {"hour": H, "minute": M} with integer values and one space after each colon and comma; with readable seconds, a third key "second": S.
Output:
{"hour": 12, "minute": 11}
